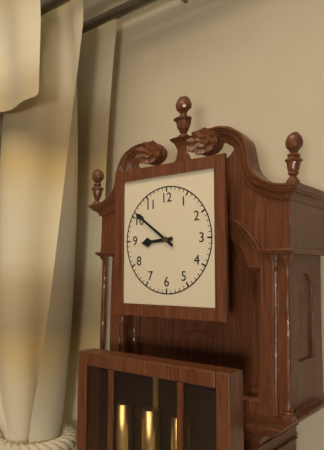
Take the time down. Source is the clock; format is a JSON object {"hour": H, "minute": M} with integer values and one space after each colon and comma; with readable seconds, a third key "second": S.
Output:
{"hour": 8, "minute": 51}
